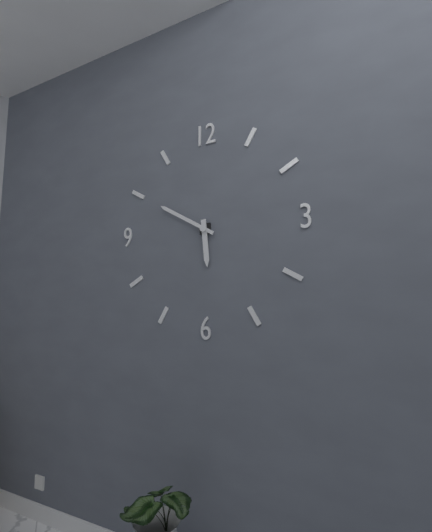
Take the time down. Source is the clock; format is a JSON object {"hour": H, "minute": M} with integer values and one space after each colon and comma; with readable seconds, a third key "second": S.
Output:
{"hour": 5, "minute": 50}
